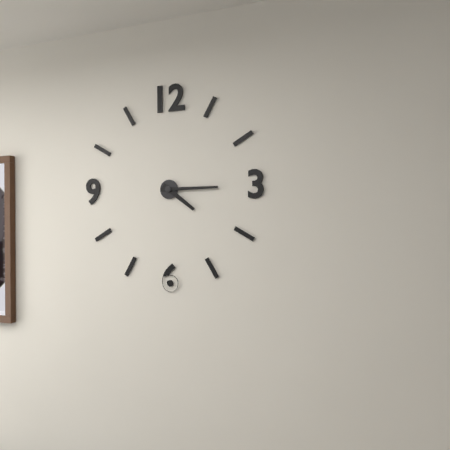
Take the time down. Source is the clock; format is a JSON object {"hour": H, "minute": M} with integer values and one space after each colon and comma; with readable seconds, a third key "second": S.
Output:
{"hour": 4, "minute": 15}
